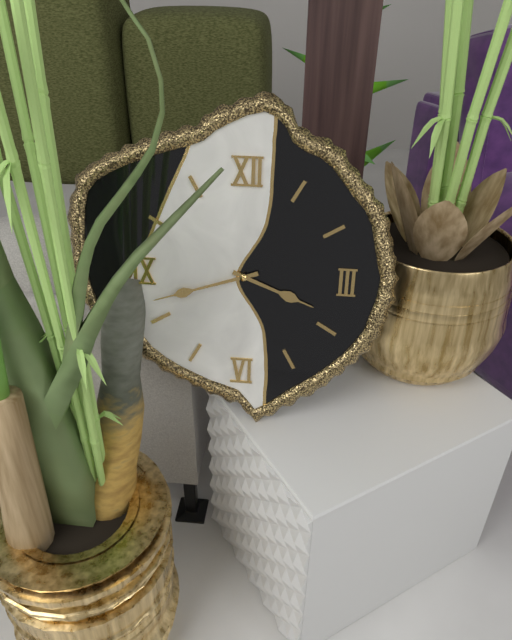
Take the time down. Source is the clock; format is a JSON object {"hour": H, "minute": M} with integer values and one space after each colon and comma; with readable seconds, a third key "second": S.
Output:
{"hour": 3, "minute": 42}
